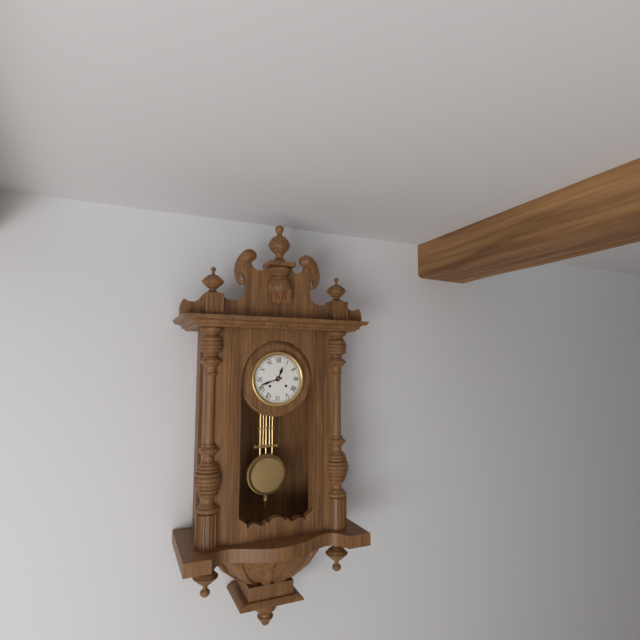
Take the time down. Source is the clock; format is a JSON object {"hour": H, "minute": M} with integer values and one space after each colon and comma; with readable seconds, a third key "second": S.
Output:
{"hour": 12, "minute": 42}
